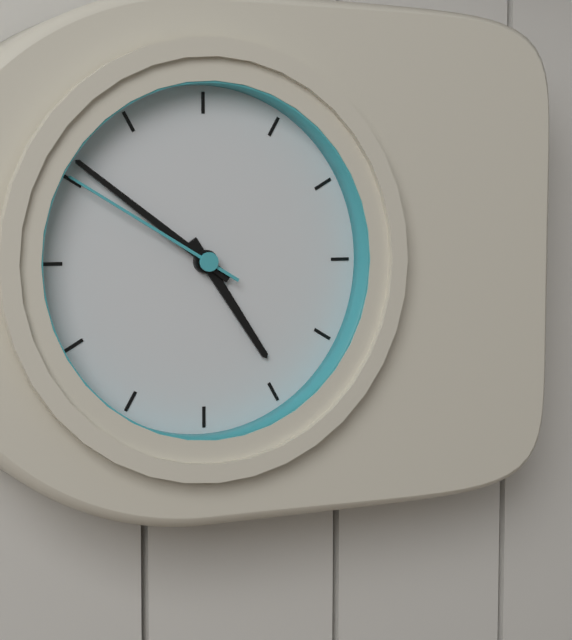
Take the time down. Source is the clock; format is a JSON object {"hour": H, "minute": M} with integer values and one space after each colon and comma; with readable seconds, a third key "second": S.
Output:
{"hour": 4, "minute": 51, "second": 50}
